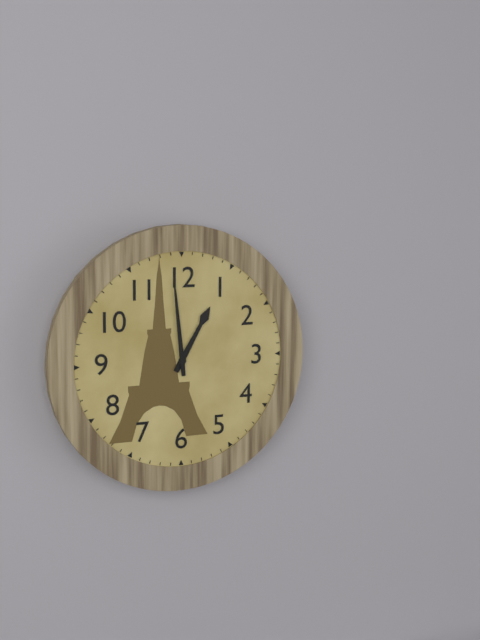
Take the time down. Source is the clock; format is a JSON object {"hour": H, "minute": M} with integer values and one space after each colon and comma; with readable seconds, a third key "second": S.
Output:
{"hour": 12, "minute": 59}
